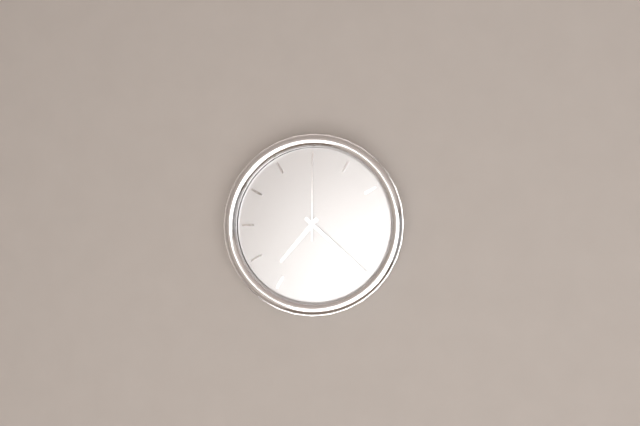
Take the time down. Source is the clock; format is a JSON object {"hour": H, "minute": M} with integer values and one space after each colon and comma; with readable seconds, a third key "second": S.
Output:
{"hour": 7, "minute": 22, "second": 0}
